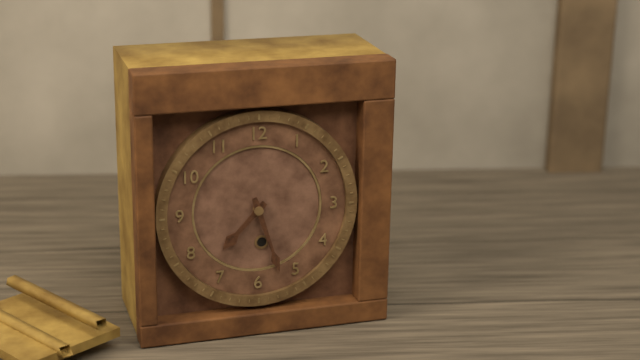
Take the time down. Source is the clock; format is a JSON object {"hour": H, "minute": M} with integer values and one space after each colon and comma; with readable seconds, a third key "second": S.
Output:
{"hour": 7, "minute": 27}
